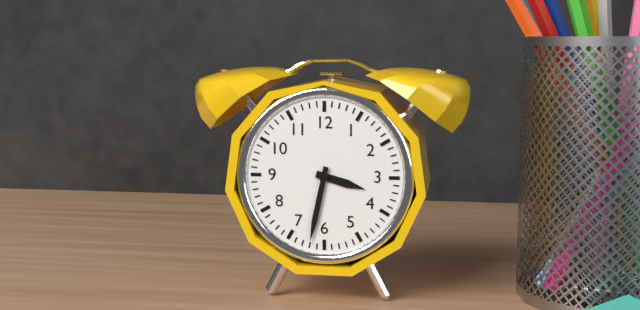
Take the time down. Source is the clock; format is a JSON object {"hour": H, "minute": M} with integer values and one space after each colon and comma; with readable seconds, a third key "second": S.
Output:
{"hour": 3, "minute": 32}
